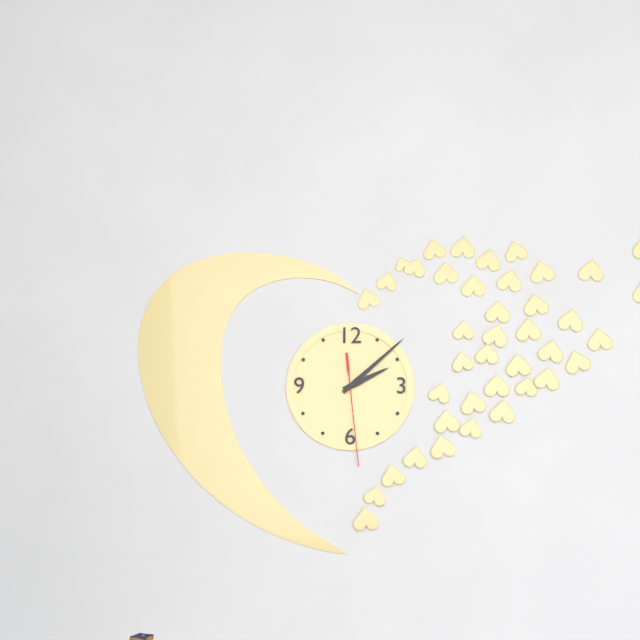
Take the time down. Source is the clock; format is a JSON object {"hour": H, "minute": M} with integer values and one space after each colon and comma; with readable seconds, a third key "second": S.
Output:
{"hour": 2, "minute": 8, "second": 29}
